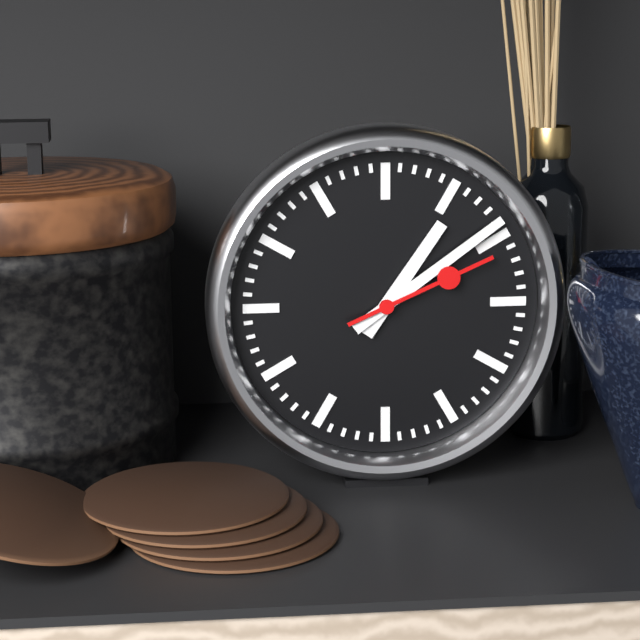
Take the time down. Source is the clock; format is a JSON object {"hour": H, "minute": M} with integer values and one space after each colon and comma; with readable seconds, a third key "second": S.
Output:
{"hour": 1, "minute": 9, "second": 11}
